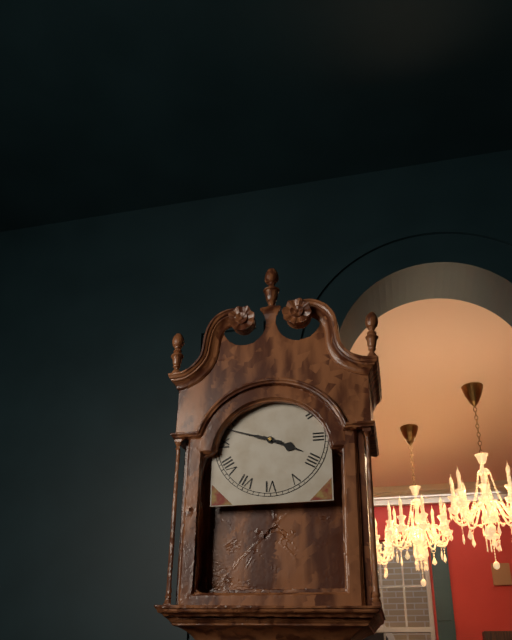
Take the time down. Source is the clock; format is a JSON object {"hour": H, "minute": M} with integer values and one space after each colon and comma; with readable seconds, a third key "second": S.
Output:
{"hour": 3, "minute": 48}
